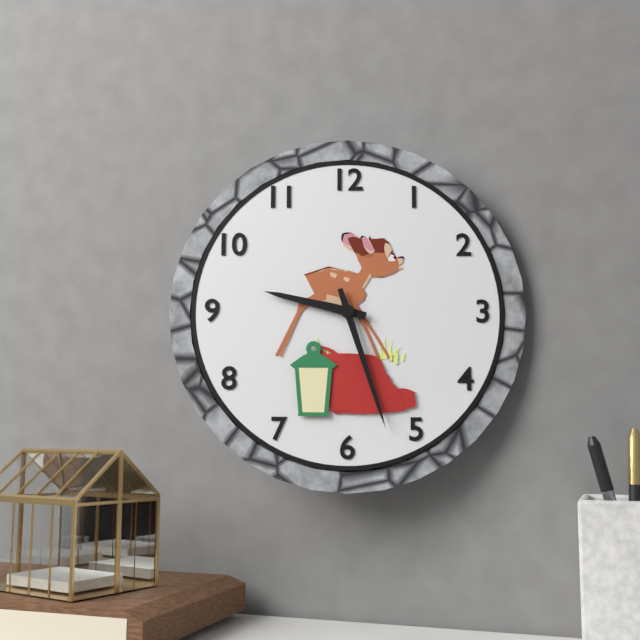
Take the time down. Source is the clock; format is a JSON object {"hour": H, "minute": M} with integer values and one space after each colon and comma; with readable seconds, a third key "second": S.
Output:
{"hour": 9, "minute": 27}
